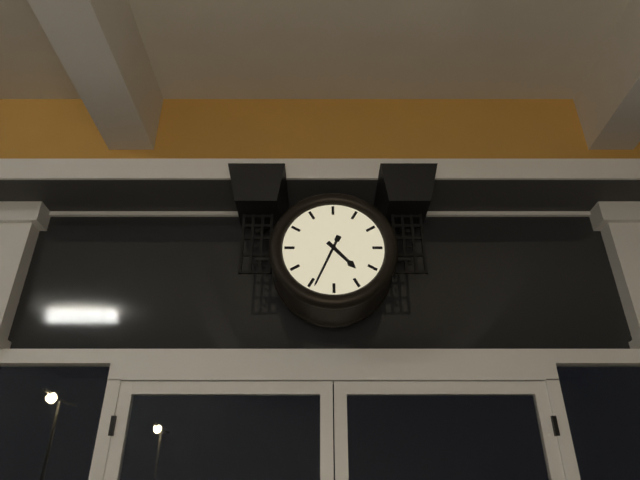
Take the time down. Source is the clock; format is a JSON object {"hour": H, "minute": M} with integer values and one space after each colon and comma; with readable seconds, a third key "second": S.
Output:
{"hour": 4, "minute": 34}
